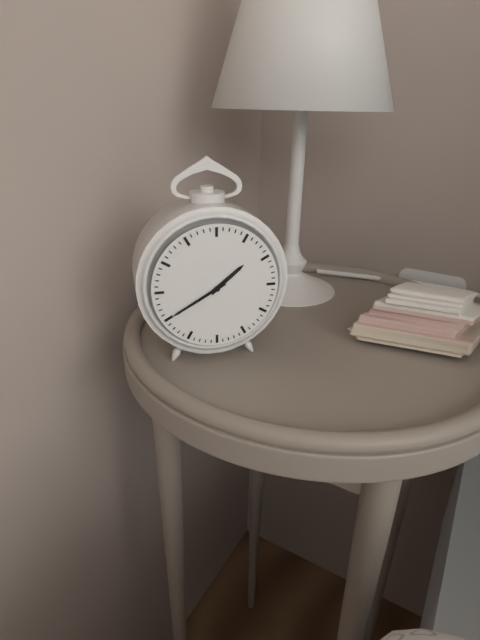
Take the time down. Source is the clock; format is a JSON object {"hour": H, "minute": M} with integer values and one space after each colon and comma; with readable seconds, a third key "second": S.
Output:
{"hour": 1, "minute": 40}
